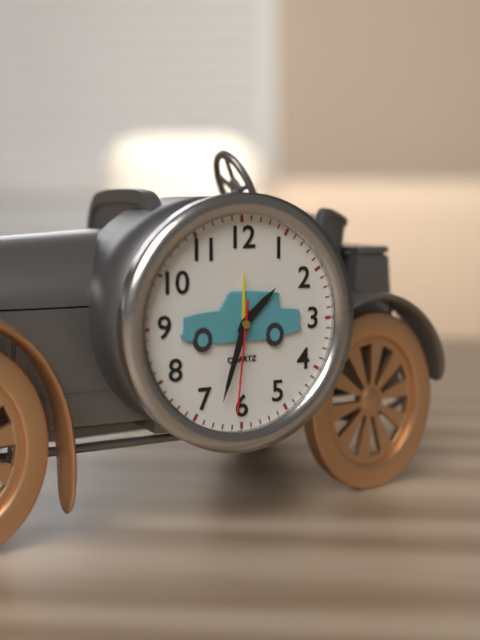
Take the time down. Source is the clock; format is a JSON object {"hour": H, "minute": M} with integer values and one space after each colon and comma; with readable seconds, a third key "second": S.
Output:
{"hour": 1, "minute": 33, "second": 31}
